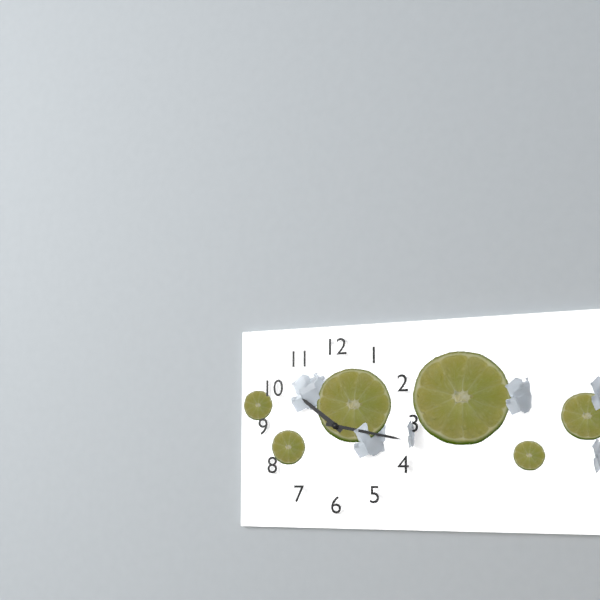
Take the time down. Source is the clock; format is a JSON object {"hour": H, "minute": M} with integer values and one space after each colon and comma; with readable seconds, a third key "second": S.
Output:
{"hour": 10, "minute": 17}
